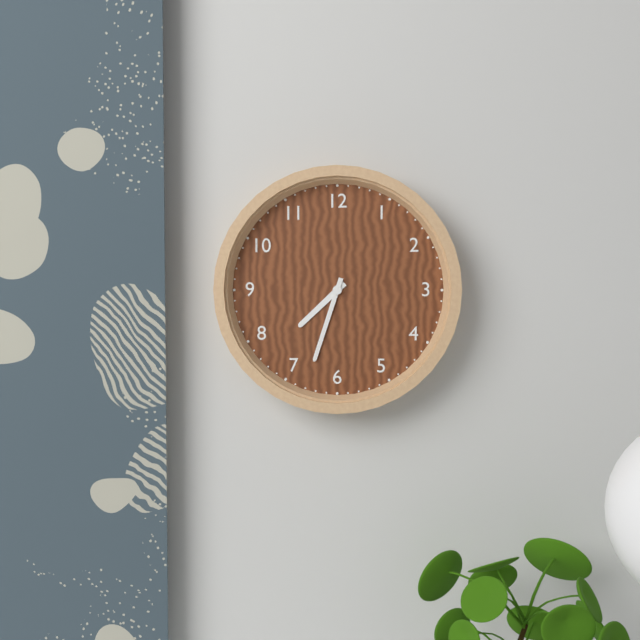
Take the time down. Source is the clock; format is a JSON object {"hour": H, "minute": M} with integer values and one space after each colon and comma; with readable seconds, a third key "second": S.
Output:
{"hour": 7, "minute": 33}
